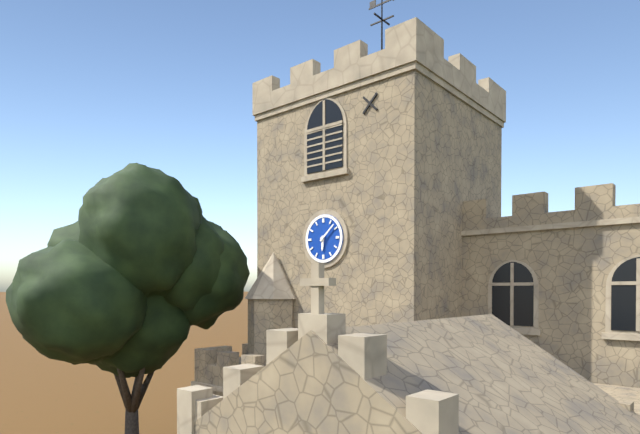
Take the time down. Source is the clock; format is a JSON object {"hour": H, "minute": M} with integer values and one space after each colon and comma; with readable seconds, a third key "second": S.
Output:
{"hour": 6, "minute": 8}
